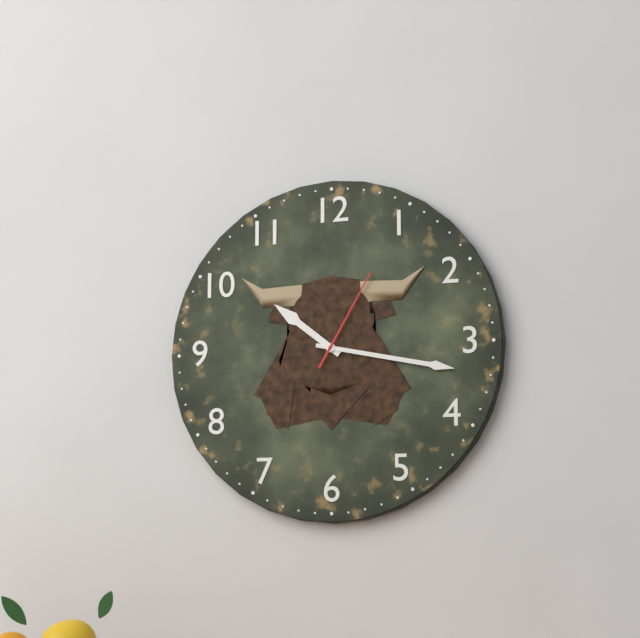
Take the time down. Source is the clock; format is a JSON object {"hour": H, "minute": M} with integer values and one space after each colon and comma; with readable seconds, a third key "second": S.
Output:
{"hour": 10, "minute": 17, "second": 5}
